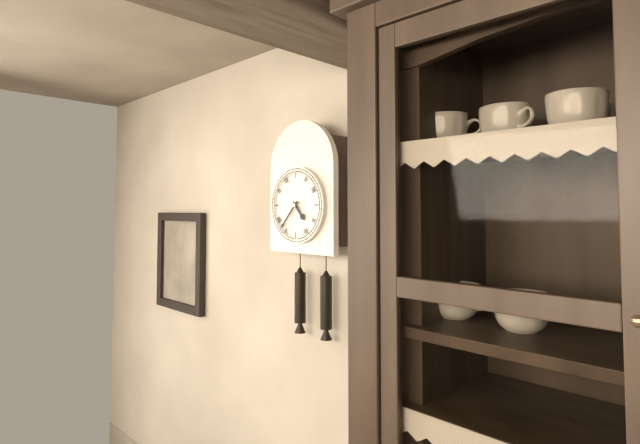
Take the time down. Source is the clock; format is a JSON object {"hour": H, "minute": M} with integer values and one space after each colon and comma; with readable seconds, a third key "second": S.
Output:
{"hour": 4, "minute": 37}
